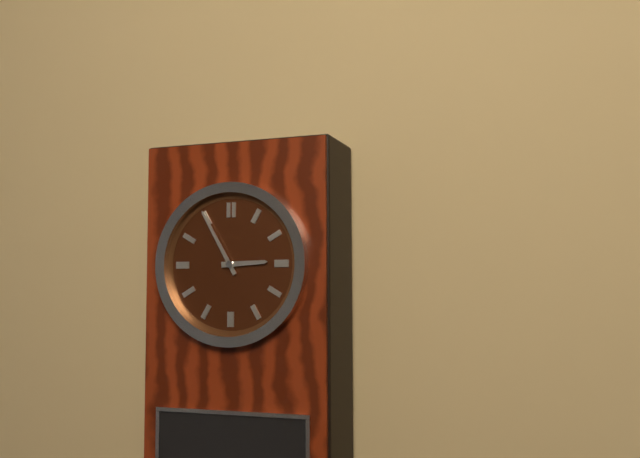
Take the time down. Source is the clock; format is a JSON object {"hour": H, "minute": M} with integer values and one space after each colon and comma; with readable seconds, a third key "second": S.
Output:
{"hour": 2, "minute": 55}
